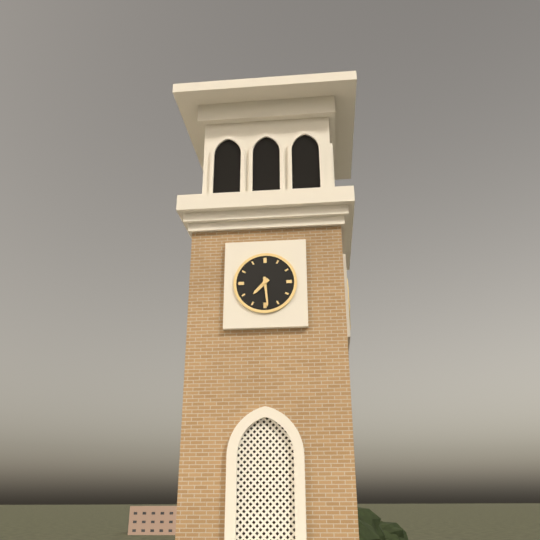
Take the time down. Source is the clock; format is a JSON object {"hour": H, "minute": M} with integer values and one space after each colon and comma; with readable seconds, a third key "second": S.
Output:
{"hour": 7, "minute": 29}
